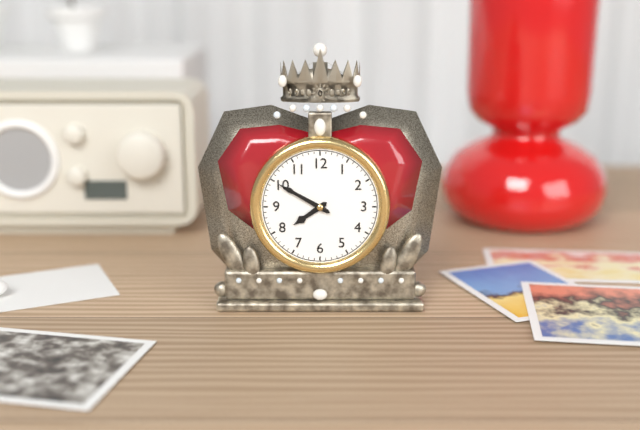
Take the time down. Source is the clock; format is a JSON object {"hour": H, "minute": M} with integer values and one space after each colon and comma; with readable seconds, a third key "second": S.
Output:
{"hour": 7, "minute": 50}
